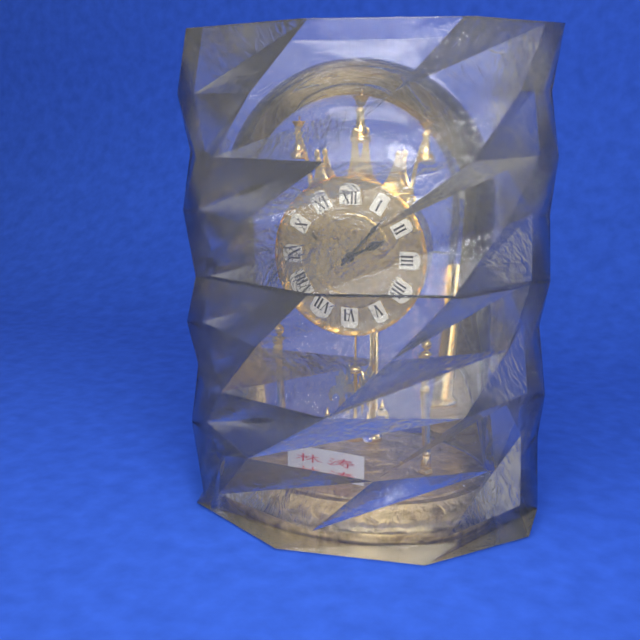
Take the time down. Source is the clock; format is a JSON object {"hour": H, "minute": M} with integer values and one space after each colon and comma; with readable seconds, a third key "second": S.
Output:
{"hour": 2, "minute": 7}
